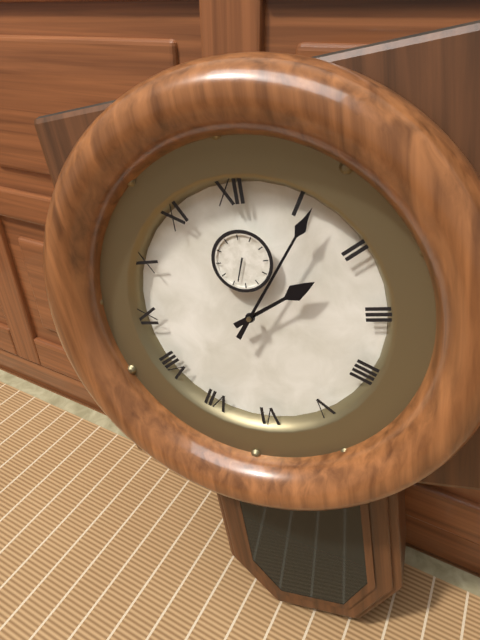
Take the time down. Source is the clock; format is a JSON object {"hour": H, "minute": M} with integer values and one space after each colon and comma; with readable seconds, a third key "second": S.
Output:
{"hour": 2, "minute": 6}
